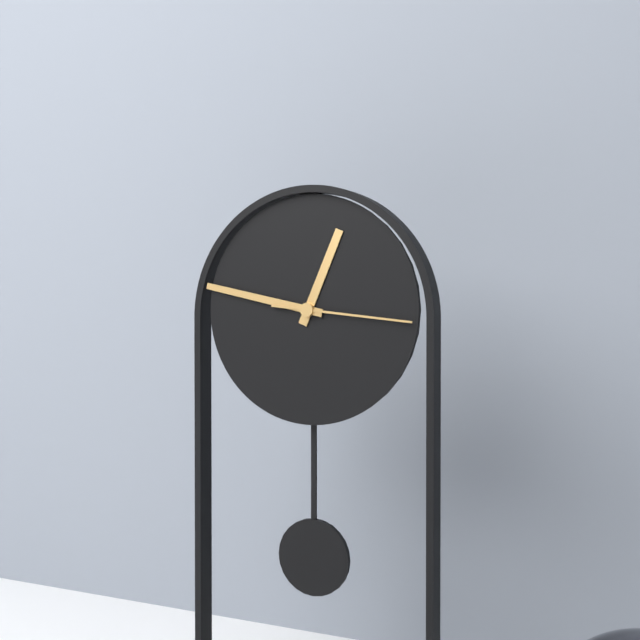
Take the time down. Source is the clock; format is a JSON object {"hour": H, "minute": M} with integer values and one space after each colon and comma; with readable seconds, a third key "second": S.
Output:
{"hour": 12, "minute": 47, "second": 16}
